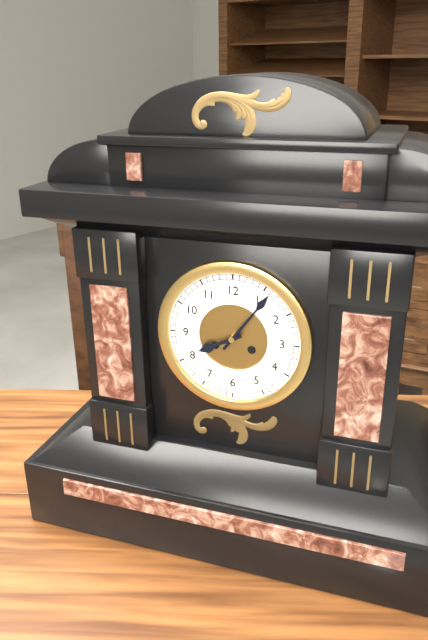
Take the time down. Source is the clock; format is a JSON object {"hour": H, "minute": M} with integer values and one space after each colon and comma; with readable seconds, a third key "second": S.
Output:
{"hour": 8, "minute": 6}
